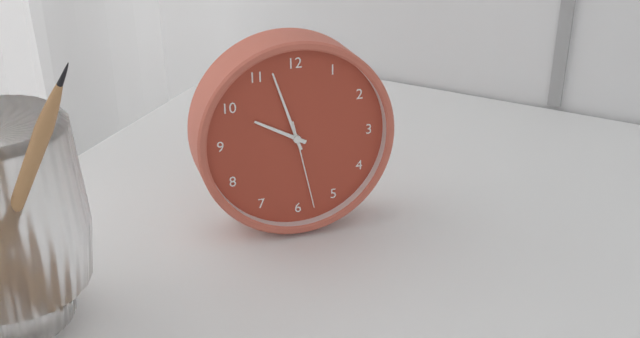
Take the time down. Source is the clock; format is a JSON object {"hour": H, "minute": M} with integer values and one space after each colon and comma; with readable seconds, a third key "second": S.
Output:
{"hour": 9, "minute": 57, "second": 28}
